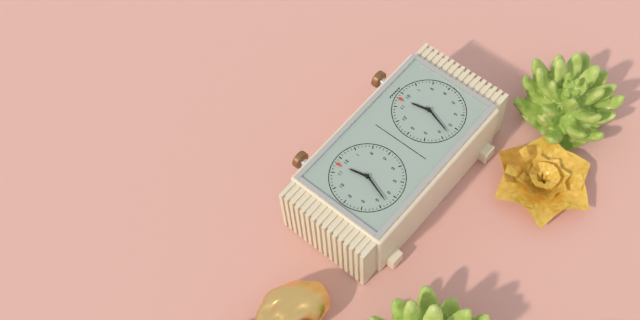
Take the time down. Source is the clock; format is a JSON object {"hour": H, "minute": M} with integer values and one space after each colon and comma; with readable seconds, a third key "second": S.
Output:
{"hour": 11, "minute": 33}
